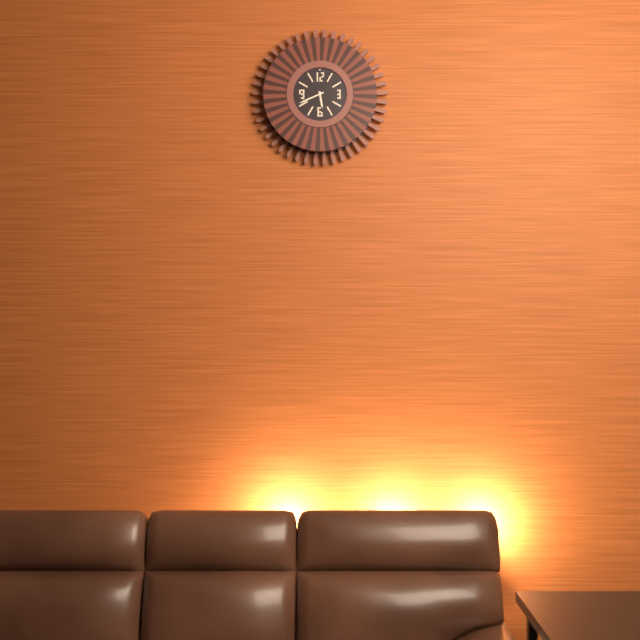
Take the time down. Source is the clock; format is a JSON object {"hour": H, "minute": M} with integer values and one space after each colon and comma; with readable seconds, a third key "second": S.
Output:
{"hour": 5, "minute": 41}
